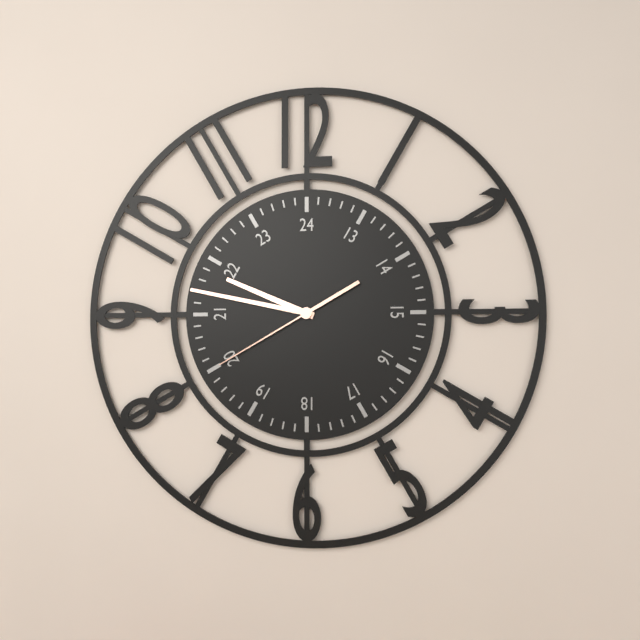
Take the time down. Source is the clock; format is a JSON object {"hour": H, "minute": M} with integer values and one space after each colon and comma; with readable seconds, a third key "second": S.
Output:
{"hour": 9, "minute": 47, "second": 40}
